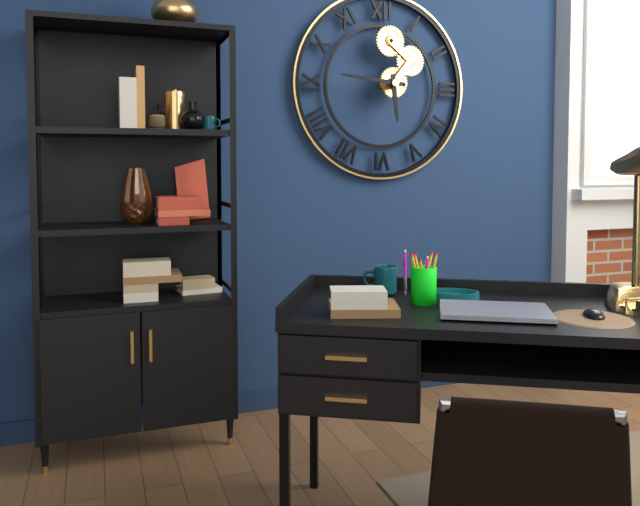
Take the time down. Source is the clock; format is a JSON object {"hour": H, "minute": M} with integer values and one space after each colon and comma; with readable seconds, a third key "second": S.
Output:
{"hour": 5, "minute": 46}
